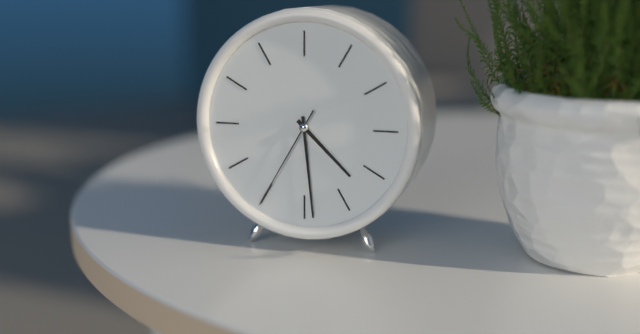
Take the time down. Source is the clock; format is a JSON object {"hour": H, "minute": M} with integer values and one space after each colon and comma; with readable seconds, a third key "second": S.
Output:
{"hour": 4, "minute": 29, "second": 35}
